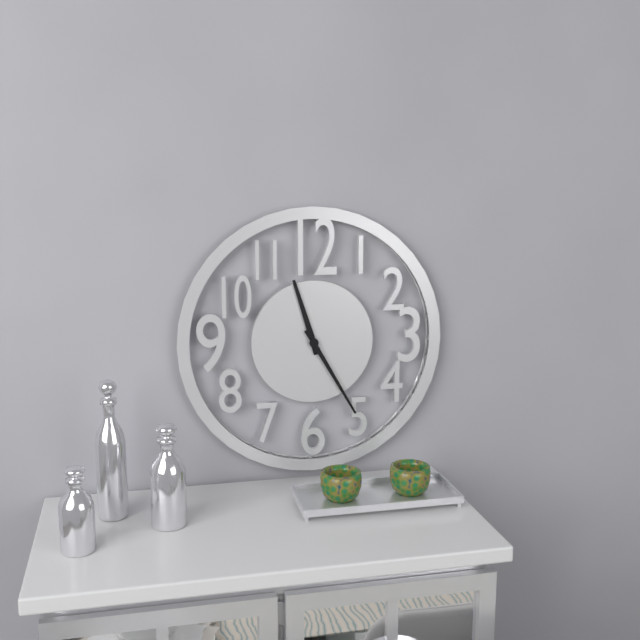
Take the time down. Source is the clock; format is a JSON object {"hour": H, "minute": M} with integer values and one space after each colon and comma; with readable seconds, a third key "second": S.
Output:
{"hour": 11, "minute": 25}
